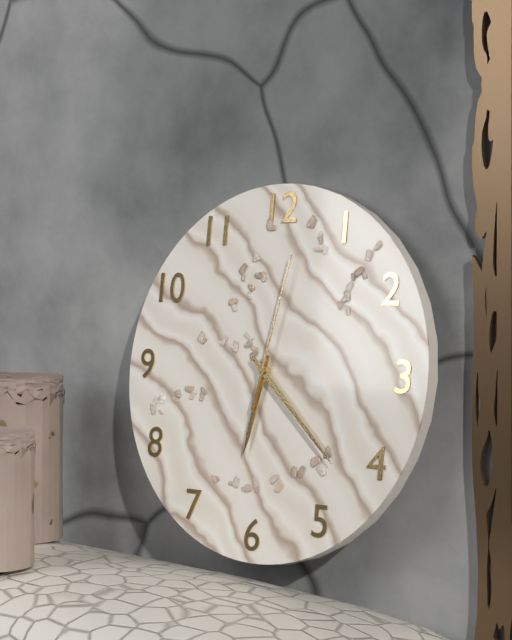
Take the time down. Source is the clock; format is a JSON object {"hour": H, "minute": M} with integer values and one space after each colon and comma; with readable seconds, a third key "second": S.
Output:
{"hour": 6, "minute": 22, "second": 2}
